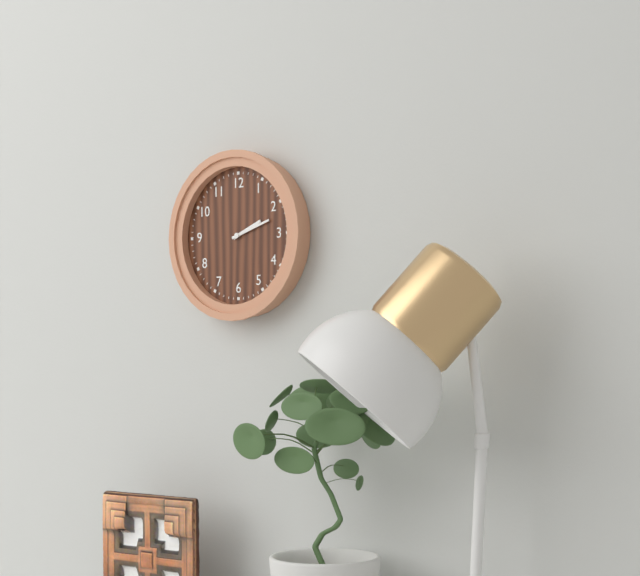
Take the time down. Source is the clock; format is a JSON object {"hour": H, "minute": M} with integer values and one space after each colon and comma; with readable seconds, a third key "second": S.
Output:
{"hour": 2, "minute": 12}
